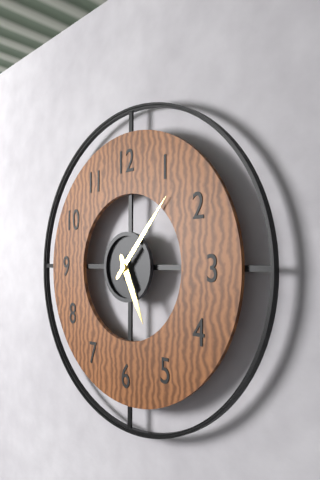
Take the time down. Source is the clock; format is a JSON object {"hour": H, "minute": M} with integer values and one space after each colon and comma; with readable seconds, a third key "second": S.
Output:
{"hour": 5, "minute": 7}
